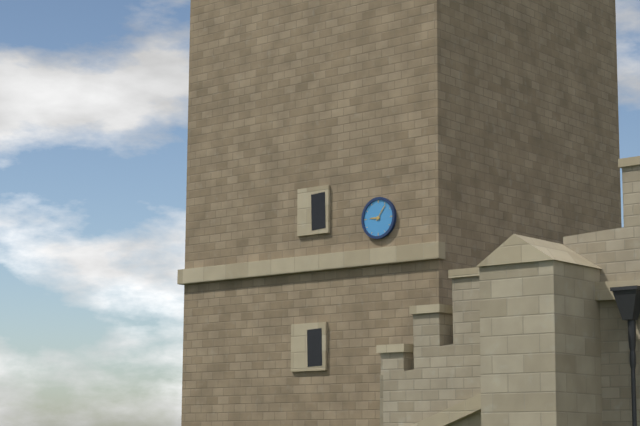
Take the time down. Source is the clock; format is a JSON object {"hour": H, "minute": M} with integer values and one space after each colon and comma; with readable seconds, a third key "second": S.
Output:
{"hour": 9, "minute": 6}
